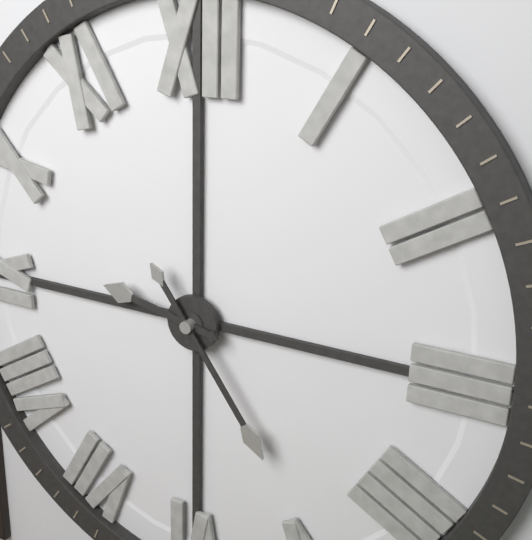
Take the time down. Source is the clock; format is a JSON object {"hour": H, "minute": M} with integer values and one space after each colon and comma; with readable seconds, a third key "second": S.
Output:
{"hour": 9, "minute": 24}
